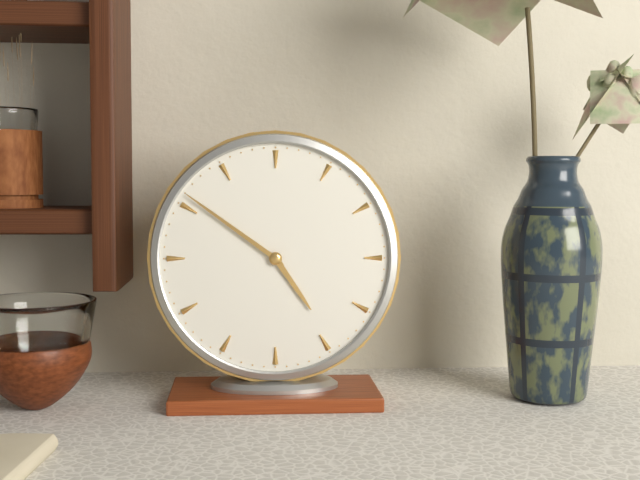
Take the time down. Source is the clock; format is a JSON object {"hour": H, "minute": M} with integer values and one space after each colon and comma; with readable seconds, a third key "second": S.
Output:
{"hour": 4, "minute": 51}
